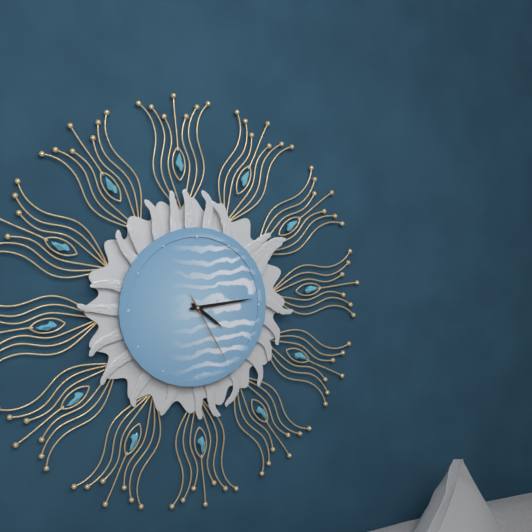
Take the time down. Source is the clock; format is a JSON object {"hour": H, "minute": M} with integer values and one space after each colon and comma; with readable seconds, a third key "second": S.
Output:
{"hour": 4, "minute": 14, "second": 25}
